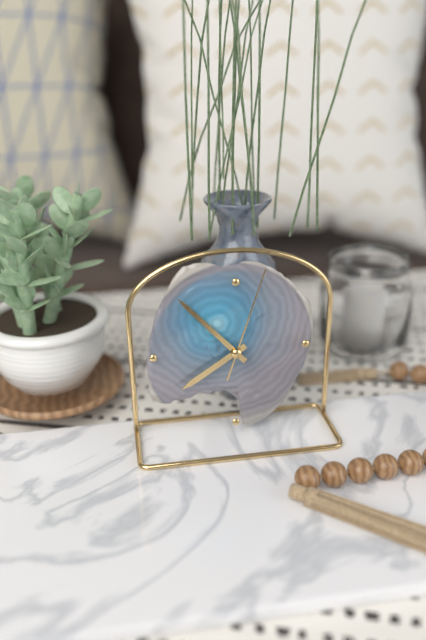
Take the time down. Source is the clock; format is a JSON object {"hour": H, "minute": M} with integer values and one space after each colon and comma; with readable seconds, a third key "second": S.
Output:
{"hour": 7, "minute": 53, "second": 3}
